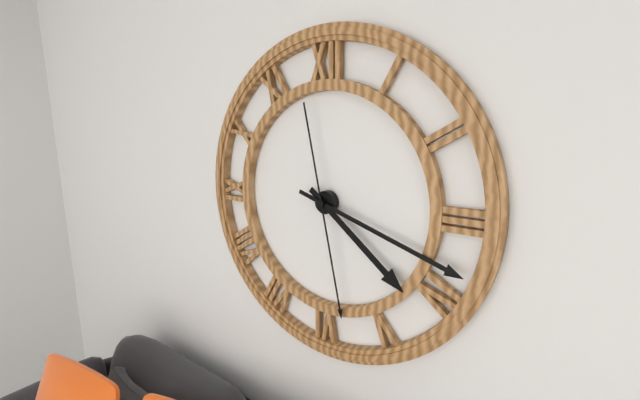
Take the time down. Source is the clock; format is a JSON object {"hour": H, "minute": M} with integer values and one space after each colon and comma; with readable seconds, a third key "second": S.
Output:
{"hour": 4, "minute": 18, "second": 28}
